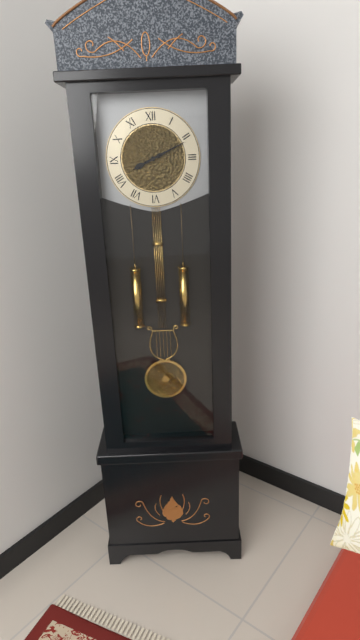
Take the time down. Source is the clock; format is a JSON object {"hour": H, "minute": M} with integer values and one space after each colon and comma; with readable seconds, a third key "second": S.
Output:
{"hour": 8, "minute": 11}
